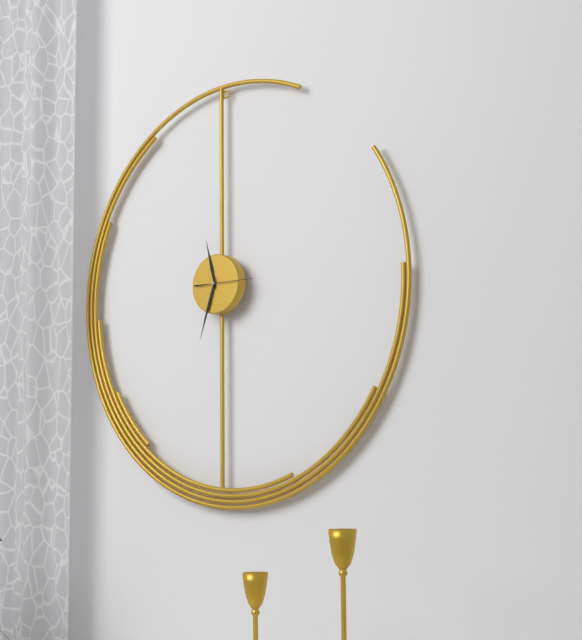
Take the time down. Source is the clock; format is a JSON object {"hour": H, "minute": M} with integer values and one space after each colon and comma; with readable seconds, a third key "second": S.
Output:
{"hour": 11, "minute": 33, "second": 15}
